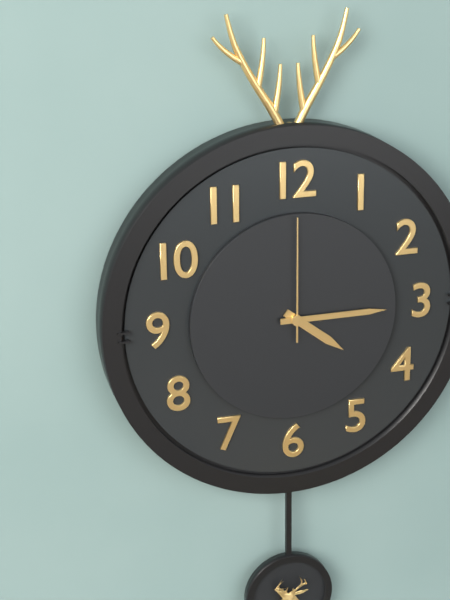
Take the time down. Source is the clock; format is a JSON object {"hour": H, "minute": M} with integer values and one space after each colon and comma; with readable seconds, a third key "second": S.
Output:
{"hour": 4, "minute": 15, "second": 0}
